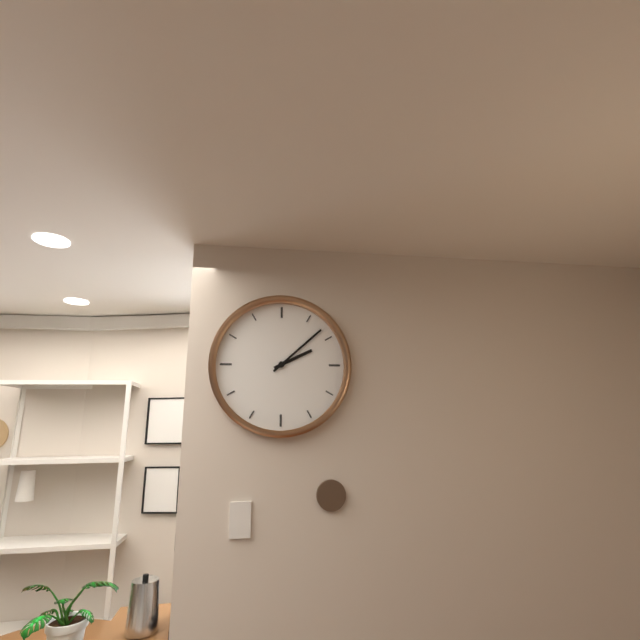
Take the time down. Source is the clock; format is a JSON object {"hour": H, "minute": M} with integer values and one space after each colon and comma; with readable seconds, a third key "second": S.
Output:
{"hour": 2, "minute": 8}
